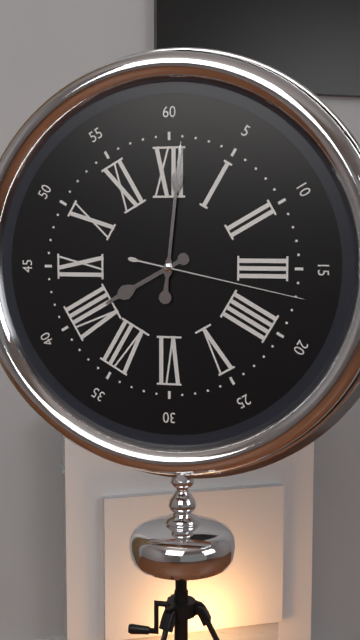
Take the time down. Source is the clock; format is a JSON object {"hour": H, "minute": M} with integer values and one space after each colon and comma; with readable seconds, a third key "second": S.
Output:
{"hour": 8, "minute": 1, "second": 17}
